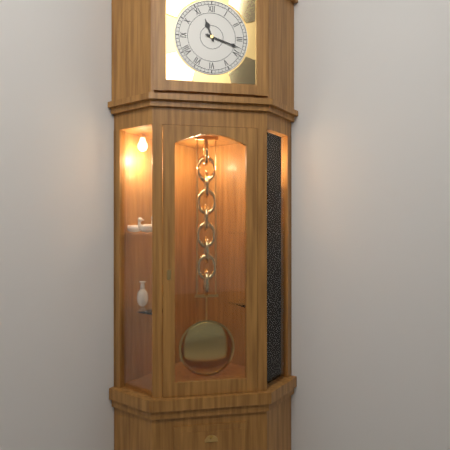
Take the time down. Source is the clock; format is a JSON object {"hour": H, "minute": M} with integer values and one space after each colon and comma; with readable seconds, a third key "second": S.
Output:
{"hour": 11, "minute": 18}
